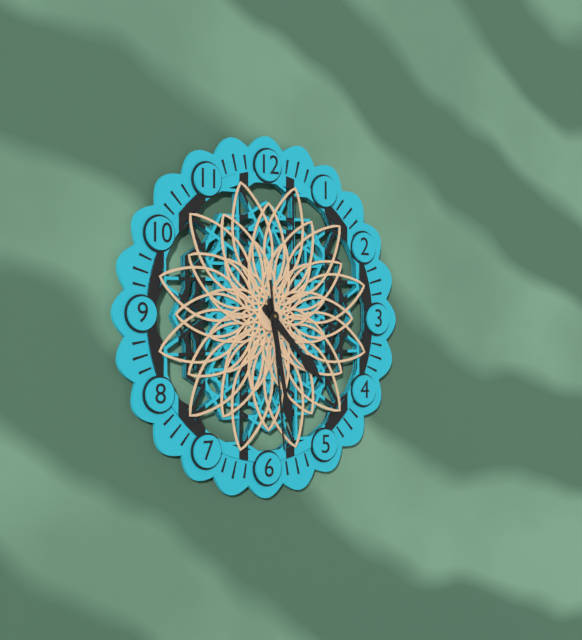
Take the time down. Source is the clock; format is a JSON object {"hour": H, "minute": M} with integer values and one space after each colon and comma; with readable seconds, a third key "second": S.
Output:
{"hour": 4, "minute": 28, "second": 29}
